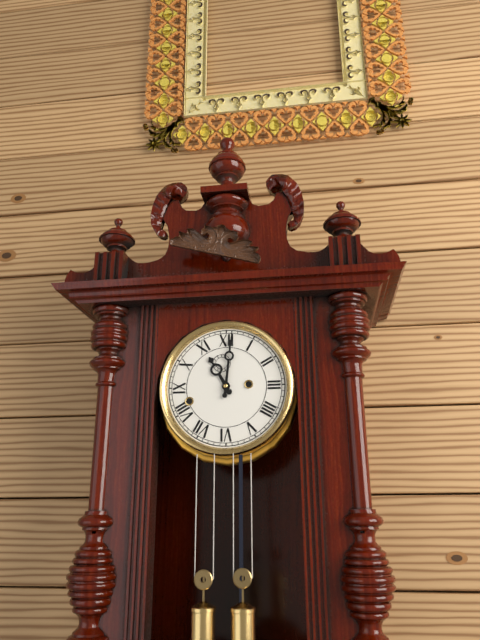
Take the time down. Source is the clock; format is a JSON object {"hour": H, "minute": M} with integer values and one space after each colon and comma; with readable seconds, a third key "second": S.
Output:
{"hour": 11, "minute": 1}
